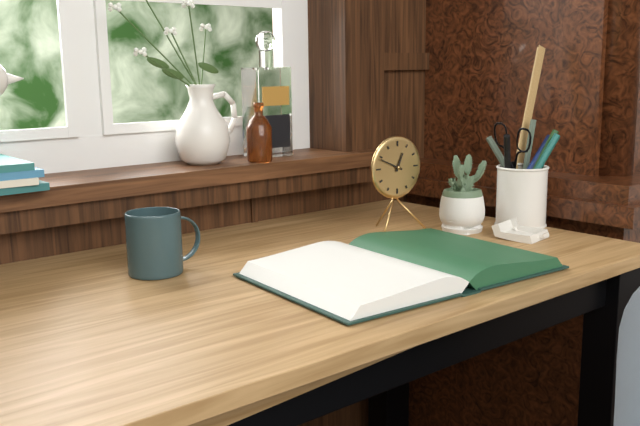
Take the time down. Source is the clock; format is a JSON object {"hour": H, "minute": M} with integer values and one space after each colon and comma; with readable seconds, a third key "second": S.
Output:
{"hour": 12, "minute": 49}
